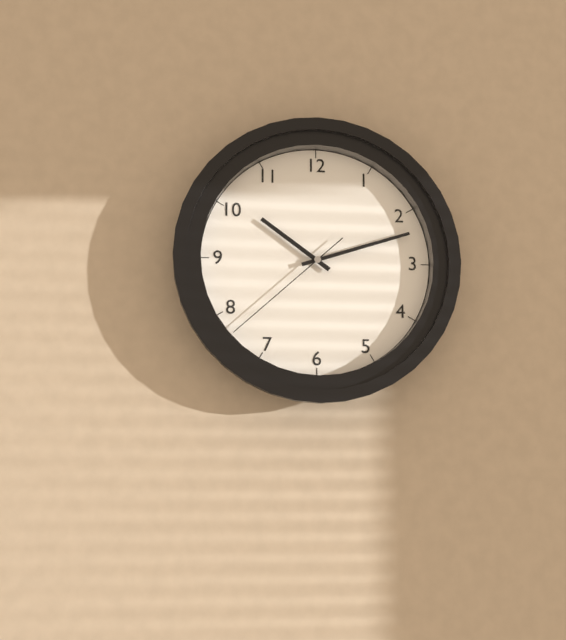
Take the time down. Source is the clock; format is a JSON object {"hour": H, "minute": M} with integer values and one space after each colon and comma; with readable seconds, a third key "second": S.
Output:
{"hour": 10, "minute": 12, "second": 38}
